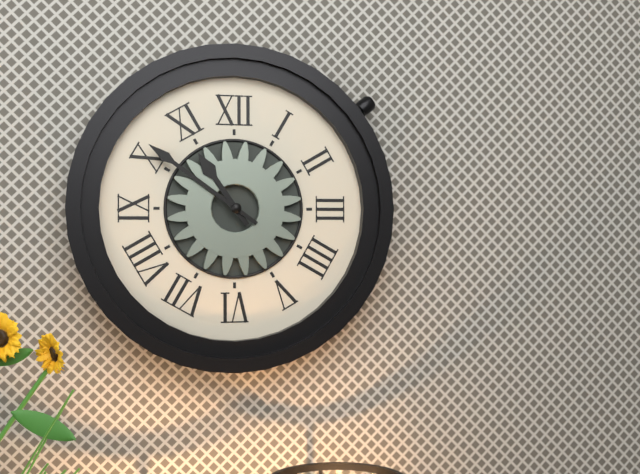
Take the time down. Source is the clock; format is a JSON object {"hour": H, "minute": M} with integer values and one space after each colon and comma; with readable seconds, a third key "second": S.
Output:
{"hour": 10, "minute": 51}
